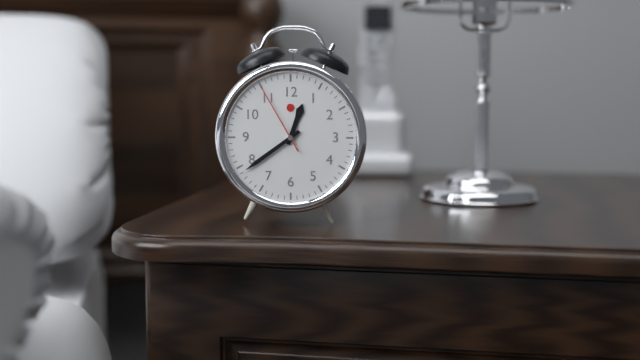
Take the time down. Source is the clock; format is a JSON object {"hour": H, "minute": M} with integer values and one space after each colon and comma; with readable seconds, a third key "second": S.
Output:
{"hour": 12, "minute": 39, "second": 55}
